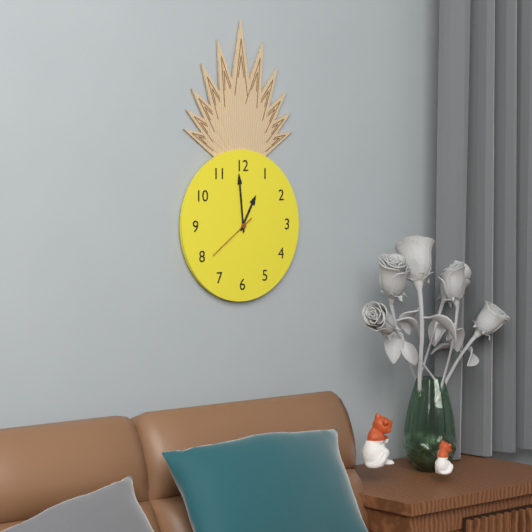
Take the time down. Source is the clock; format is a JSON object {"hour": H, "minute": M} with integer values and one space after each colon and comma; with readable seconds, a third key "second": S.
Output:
{"hour": 12, "minute": 59, "second": 39}
